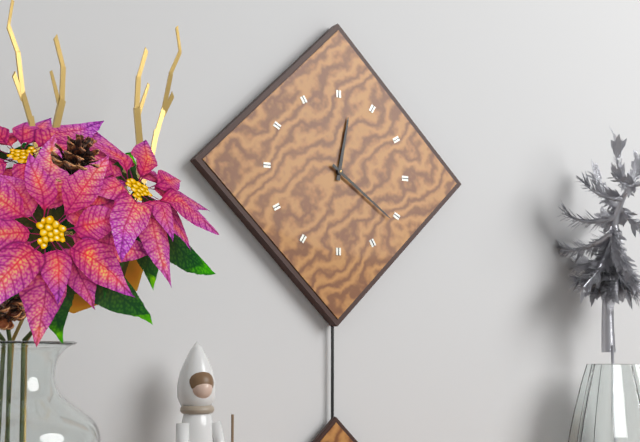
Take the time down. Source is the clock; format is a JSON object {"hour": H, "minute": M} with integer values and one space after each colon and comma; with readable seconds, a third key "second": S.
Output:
{"hour": 12, "minute": 21}
